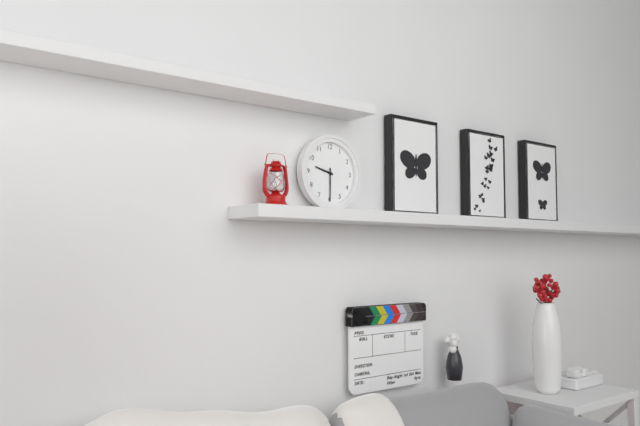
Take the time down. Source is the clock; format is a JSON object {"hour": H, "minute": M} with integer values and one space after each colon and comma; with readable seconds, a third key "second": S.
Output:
{"hour": 9, "minute": 30}
